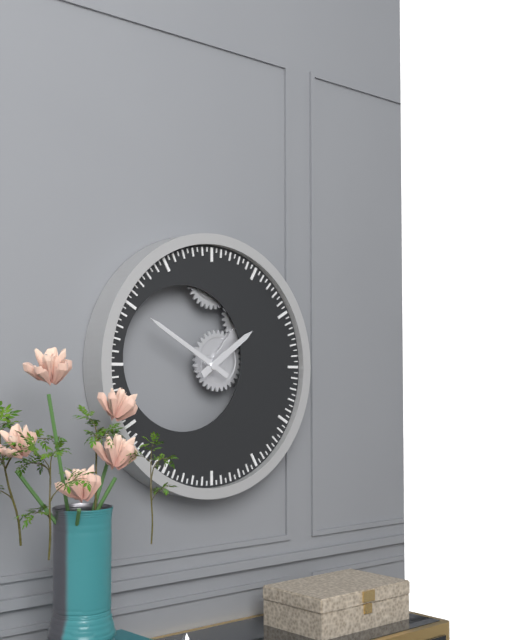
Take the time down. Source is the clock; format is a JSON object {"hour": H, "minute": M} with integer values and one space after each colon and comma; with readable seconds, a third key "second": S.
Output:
{"hour": 1, "minute": 50}
